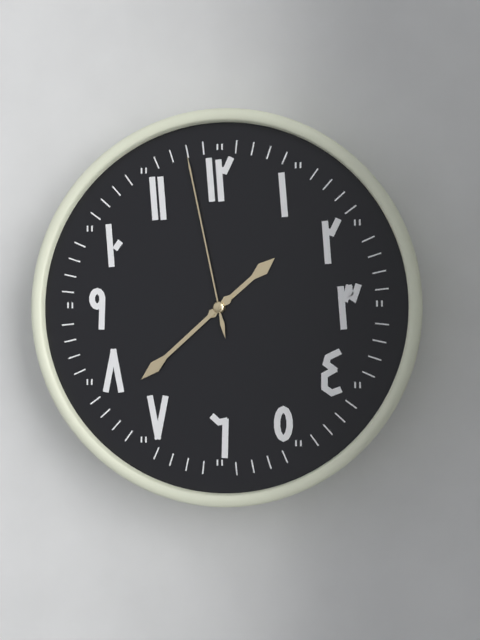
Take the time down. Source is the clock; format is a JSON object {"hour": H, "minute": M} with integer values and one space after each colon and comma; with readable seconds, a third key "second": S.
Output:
{"hour": 1, "minute": 38, "second": 58}
